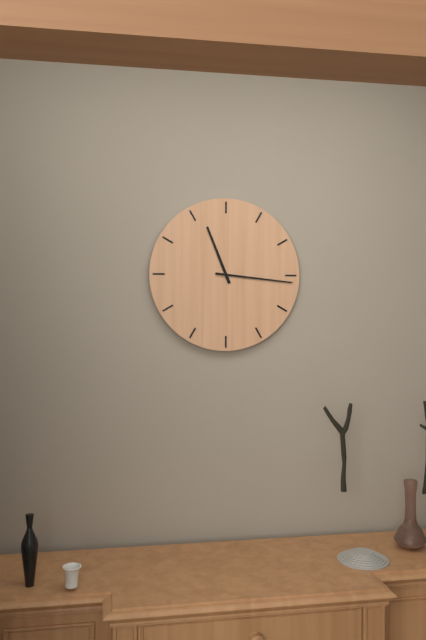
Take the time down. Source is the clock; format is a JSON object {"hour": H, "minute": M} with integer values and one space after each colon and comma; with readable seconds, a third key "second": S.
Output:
{"hour": 11, "minute": 16}
